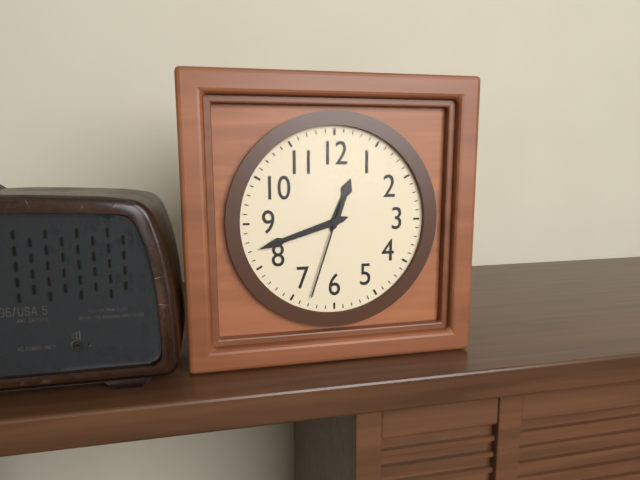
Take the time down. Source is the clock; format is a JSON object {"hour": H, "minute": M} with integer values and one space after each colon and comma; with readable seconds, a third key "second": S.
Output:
{"hour": 12, "minute": 42, "second": 33}
